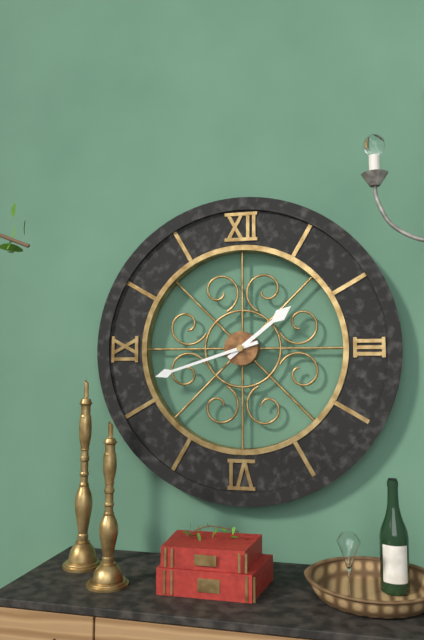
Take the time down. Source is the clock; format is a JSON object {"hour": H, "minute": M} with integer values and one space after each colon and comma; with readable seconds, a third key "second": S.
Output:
{"hour": 1, "minute": 42}
